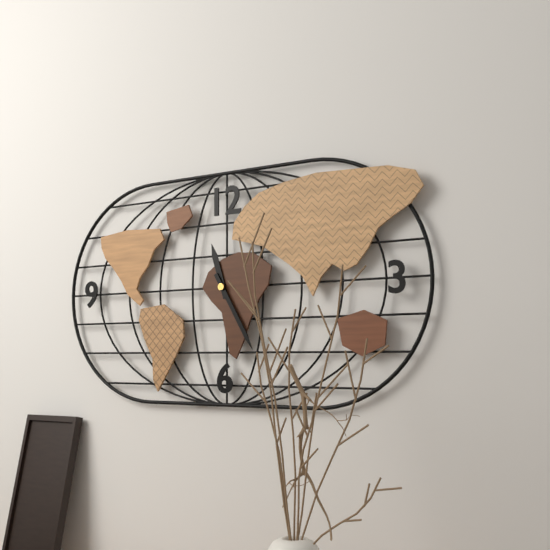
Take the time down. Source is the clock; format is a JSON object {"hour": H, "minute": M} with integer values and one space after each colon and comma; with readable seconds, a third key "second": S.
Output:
{"hour": 11, "minute": 25}
